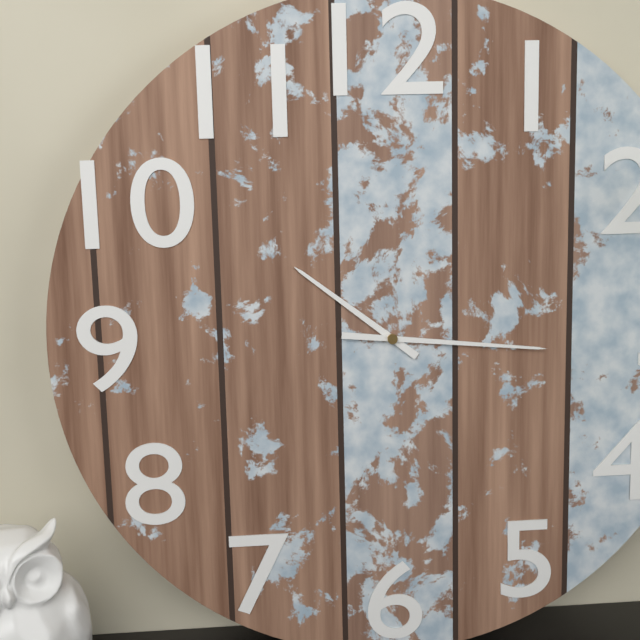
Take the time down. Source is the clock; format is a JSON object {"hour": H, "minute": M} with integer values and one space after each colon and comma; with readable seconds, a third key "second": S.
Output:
{"hour": 10, "minute": 16}
